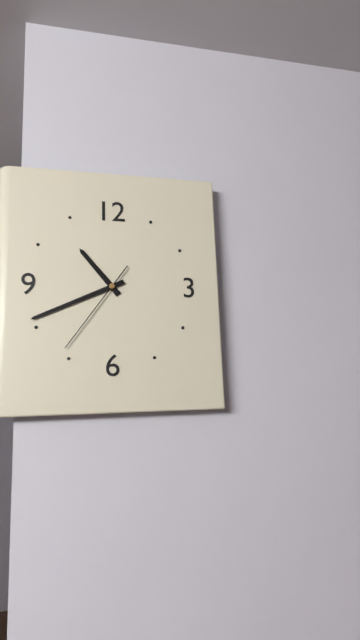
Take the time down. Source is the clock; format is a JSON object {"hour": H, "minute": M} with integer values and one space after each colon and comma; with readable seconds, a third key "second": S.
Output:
{"hour": 10, "minute": 41, "second": 36}
